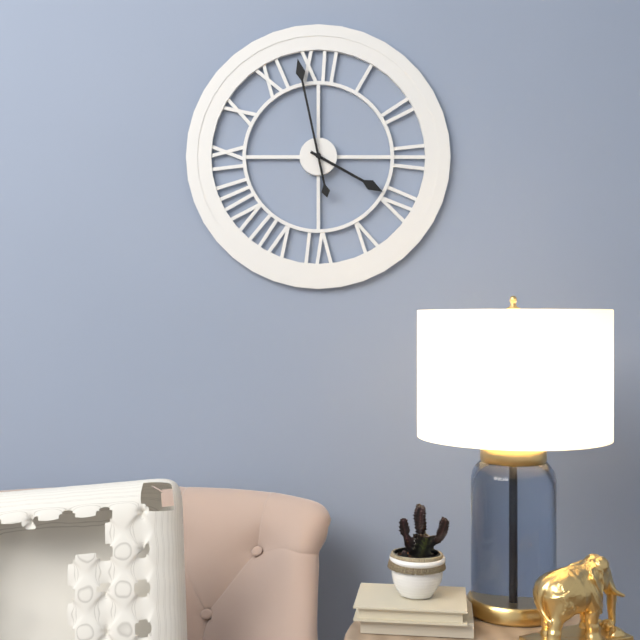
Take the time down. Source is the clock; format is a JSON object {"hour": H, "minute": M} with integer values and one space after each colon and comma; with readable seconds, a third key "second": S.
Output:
{"hour": 3, "minute": 58}
